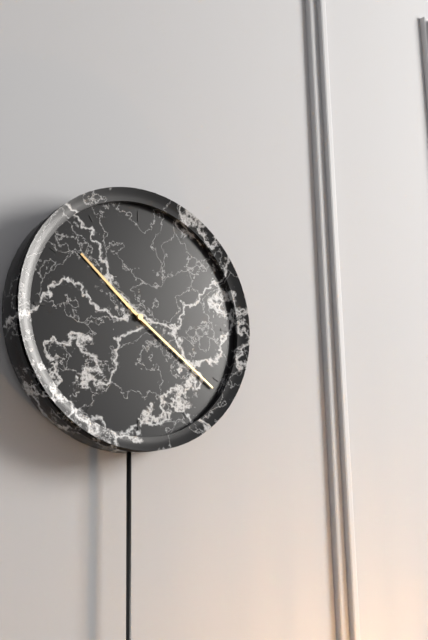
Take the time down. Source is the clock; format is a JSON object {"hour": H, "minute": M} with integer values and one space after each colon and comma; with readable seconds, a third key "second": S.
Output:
{"hour": 10, "minute": 21}
